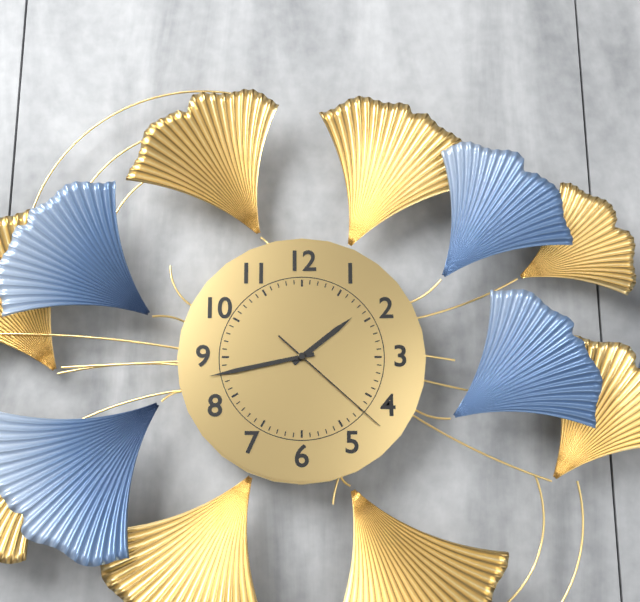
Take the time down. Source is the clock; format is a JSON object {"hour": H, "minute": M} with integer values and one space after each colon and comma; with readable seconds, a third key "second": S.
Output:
{"hour": 1, "minute": 43, "second": 22}
